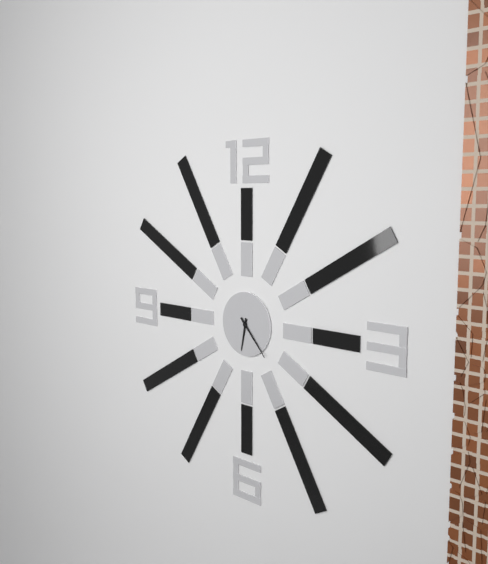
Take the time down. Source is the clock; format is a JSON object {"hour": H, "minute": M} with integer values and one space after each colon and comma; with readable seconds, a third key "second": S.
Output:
{"hour": 6, "minute": 23}
